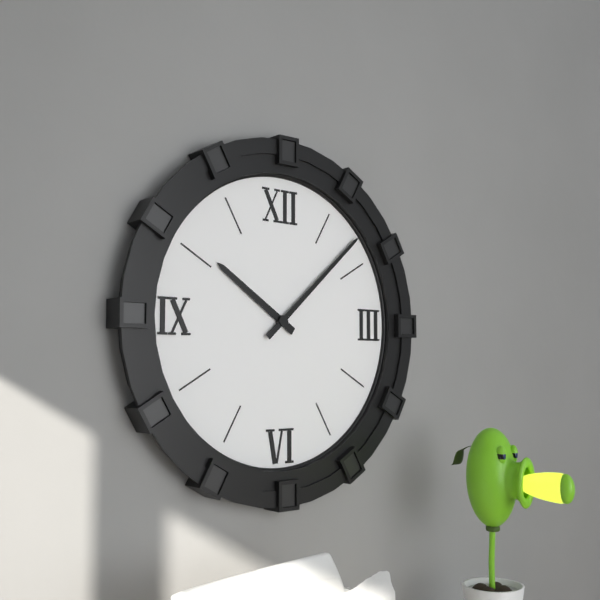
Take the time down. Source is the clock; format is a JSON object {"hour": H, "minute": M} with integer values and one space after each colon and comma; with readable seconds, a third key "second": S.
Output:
{"hour": 10, "minute": 8}
